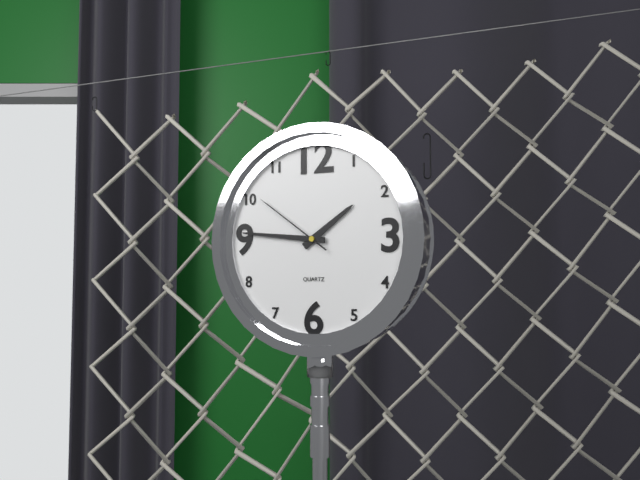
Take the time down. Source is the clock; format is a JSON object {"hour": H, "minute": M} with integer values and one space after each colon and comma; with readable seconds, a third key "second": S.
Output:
{"hour": 1, "minute": 46, "second": 51}
